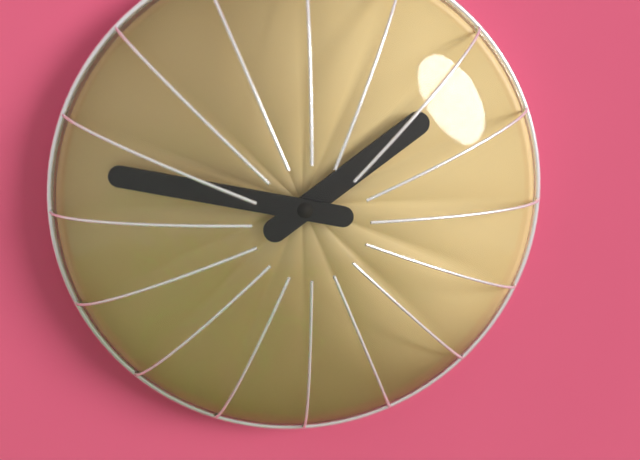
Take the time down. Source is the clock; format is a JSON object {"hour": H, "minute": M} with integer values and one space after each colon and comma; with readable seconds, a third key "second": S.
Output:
{"hour": 1, "minute": 47}
